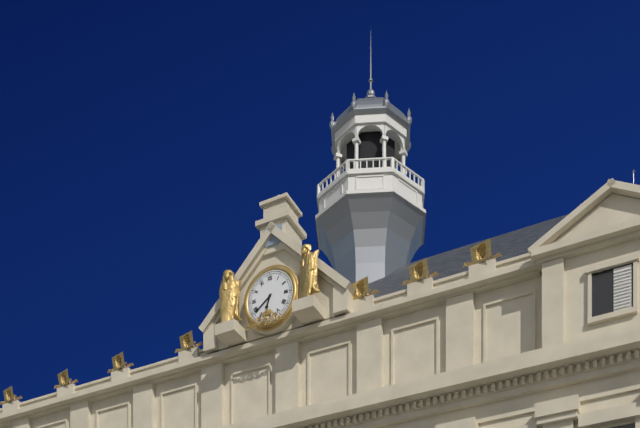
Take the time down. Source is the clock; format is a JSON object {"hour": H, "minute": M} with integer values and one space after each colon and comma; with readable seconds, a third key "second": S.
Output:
{"hour": 6, "minute": 39}
